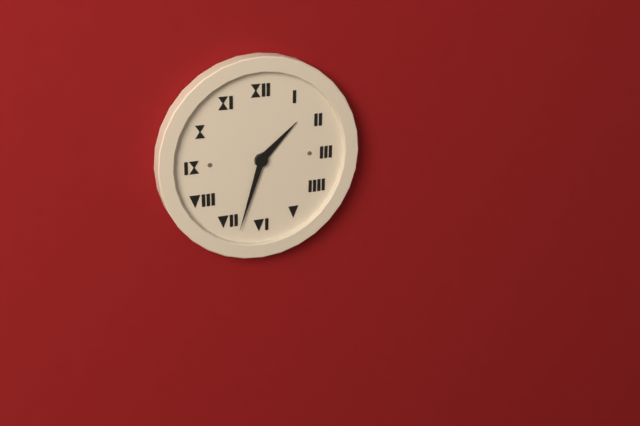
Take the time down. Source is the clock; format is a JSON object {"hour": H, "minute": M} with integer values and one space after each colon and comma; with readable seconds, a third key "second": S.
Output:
{"hour": 1, "minute": 33}
